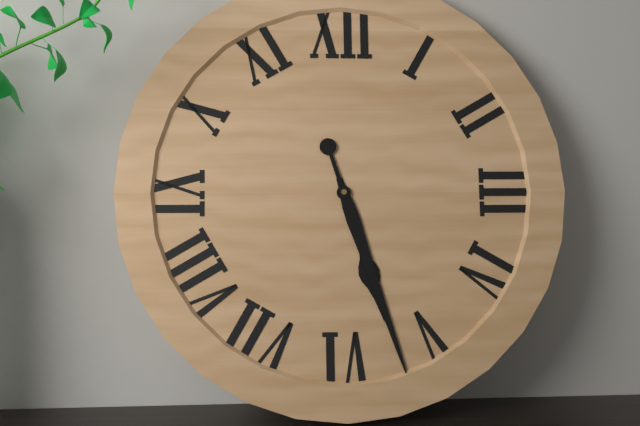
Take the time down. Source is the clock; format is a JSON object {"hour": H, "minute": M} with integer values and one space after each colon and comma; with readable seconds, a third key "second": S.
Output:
{"hour": 5, "minute": 27}
